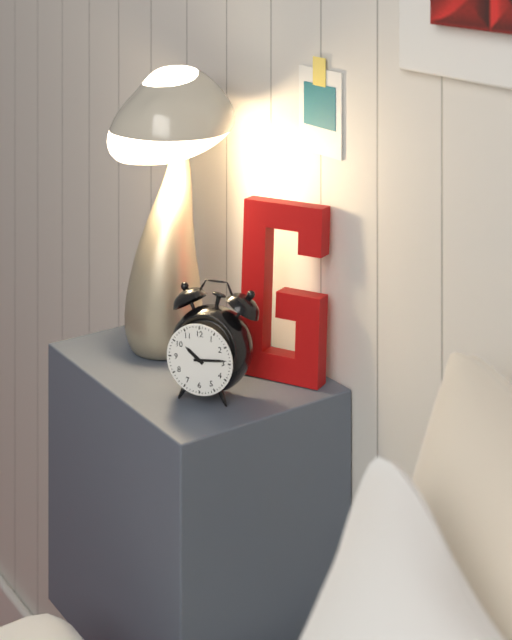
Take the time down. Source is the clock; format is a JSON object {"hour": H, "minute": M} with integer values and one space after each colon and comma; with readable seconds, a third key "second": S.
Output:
{"hour": 10, "minute": 14}
